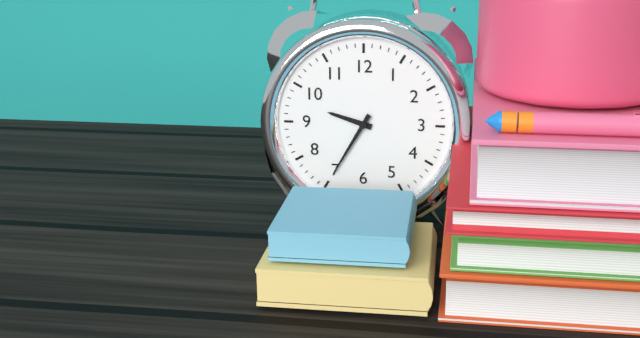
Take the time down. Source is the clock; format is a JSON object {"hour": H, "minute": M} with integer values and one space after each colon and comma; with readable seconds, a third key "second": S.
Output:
{"hour": 9, "minute": 35}
